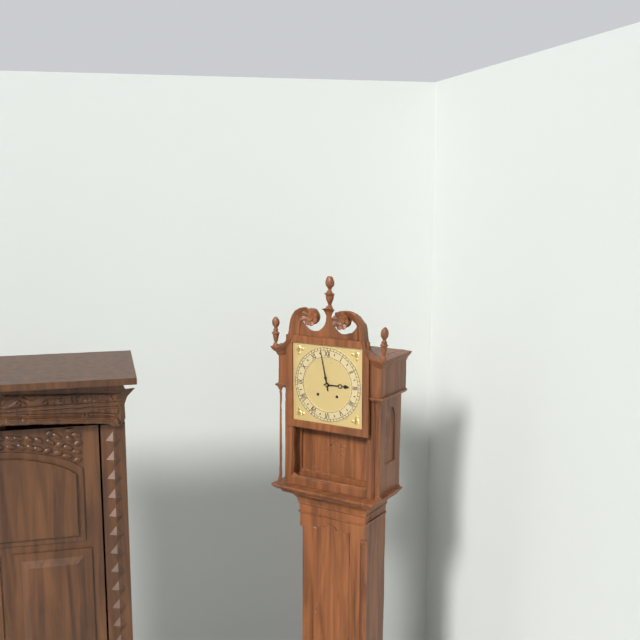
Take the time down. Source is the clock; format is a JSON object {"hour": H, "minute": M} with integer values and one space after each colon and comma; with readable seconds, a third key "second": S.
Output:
{"hour": 2, "minute": 58}
